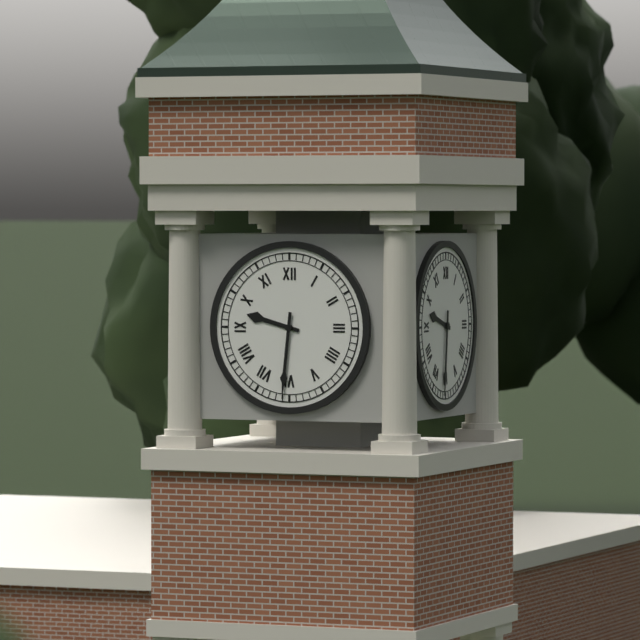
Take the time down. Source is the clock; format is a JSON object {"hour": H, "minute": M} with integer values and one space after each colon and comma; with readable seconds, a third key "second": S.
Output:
{"hour": 9, "minute": 31}
